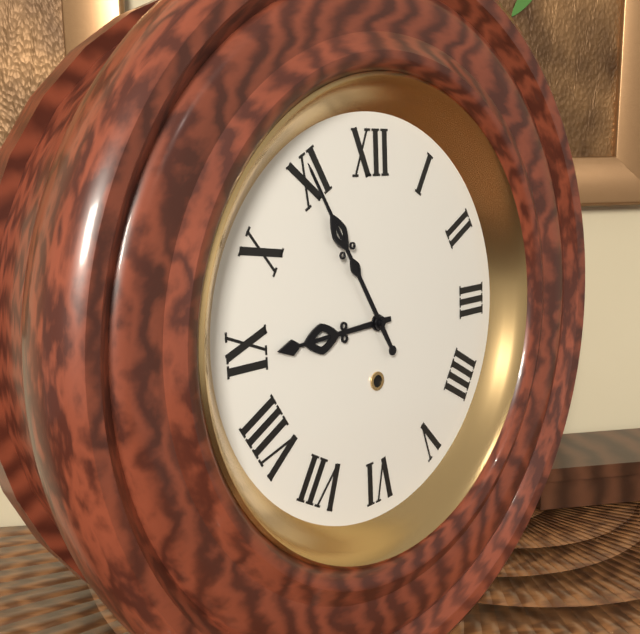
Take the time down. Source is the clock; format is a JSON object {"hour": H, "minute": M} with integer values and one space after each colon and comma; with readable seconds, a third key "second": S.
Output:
{"hour": 8, "minute": 55}
